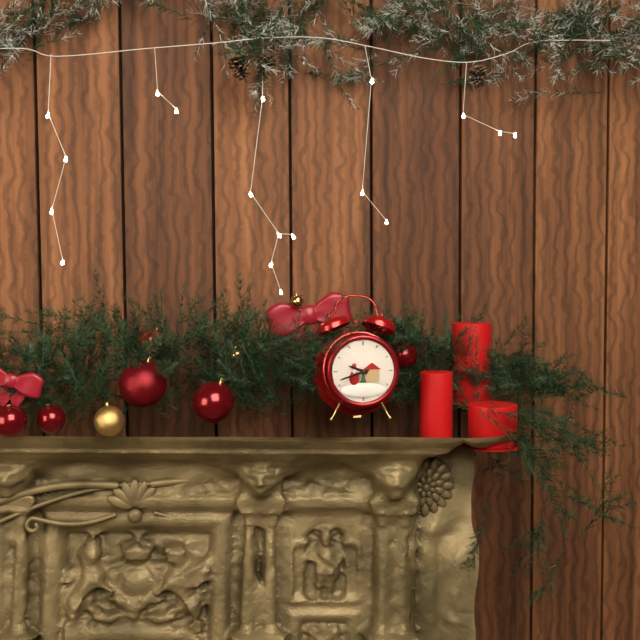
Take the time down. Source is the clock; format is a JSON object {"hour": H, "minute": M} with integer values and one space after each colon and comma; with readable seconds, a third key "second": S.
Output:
{"hour": 9, "minute": 42}
